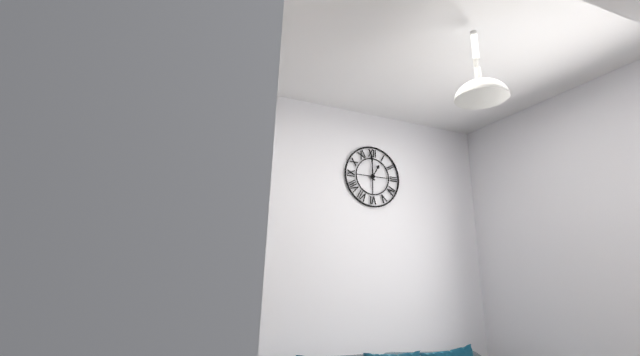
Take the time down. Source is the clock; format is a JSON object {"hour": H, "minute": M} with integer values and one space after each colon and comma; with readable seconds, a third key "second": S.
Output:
{"hour": 12, "minute": 59}
